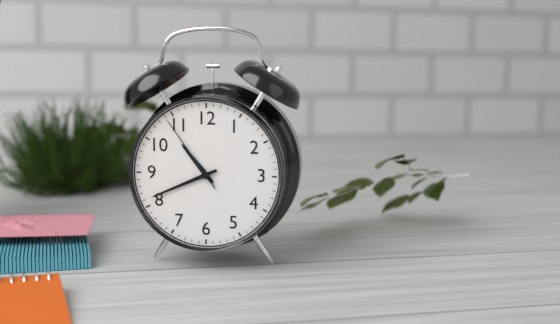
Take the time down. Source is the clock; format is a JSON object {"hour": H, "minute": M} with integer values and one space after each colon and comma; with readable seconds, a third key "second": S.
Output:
{"hour": 10, "minute": 41, "second": 54}
